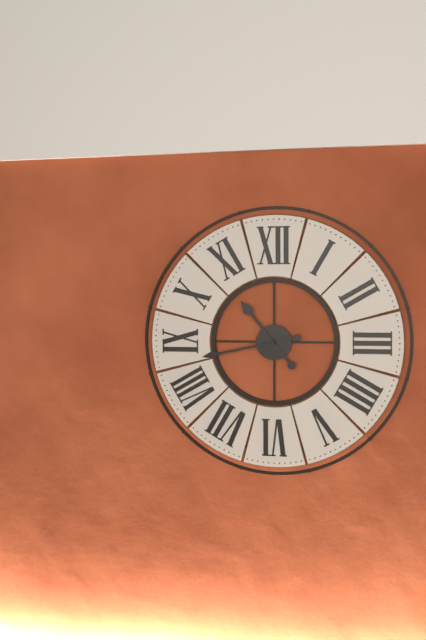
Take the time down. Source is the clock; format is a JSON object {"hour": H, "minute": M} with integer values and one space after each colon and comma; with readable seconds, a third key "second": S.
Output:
{"hour": 10, "minute": 43}
